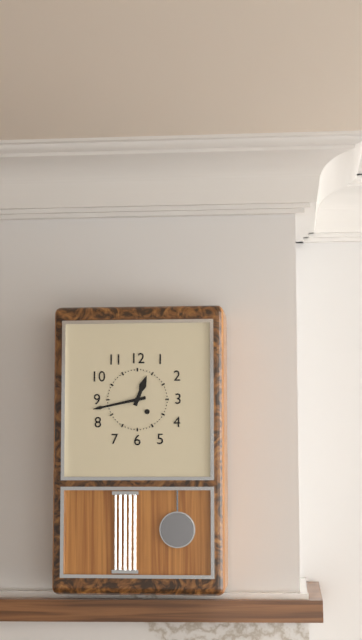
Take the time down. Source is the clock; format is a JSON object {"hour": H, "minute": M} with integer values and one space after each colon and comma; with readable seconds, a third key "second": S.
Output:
{"hour": 12, "minute": 43}
